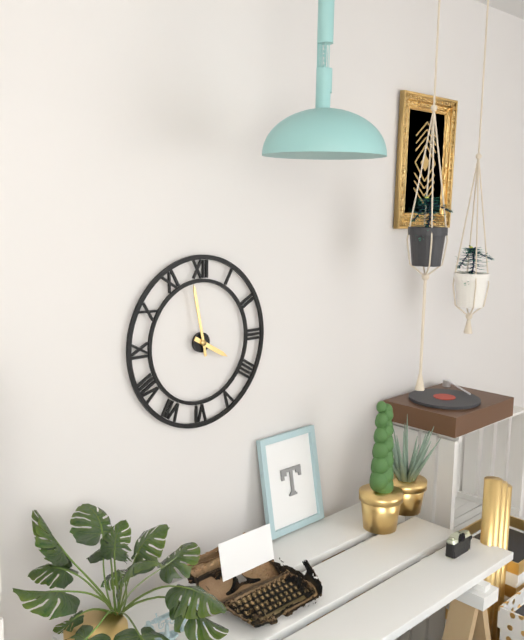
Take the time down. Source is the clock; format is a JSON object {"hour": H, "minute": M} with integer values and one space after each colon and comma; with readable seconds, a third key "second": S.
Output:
{"hour": 3, "minute": 58}
